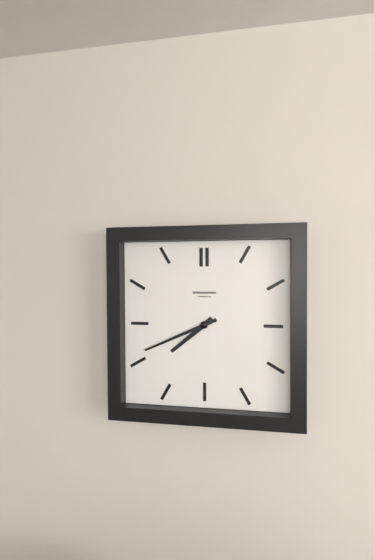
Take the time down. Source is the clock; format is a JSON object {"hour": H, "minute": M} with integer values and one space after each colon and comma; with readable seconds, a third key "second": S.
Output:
{"hour": 7, "minute": 41}
